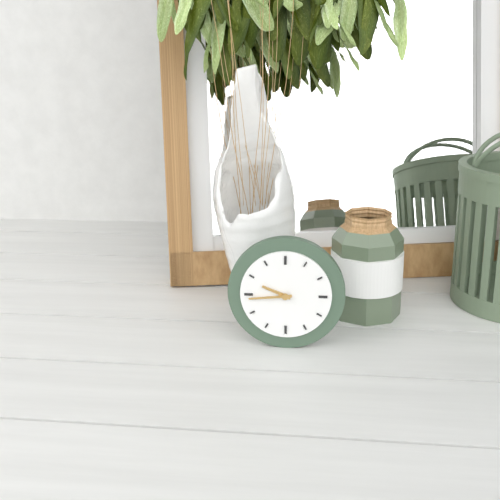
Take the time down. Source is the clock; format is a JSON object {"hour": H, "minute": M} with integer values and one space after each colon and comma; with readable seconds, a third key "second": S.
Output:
{"hour": 9, "minute": 44}
